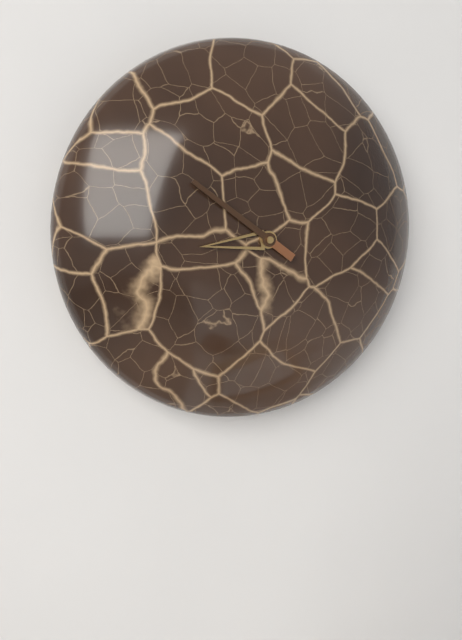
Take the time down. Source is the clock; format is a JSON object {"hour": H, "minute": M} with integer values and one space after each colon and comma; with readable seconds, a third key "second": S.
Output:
{"hour": 8, "minute": 51}
